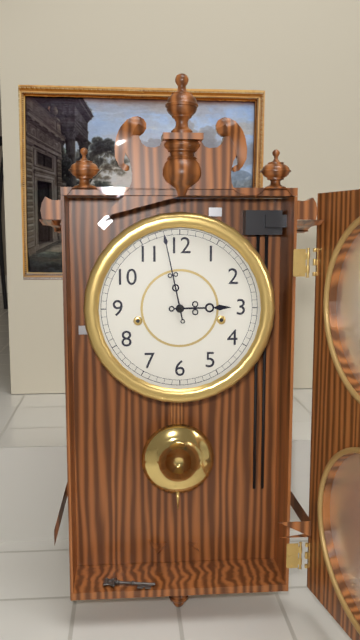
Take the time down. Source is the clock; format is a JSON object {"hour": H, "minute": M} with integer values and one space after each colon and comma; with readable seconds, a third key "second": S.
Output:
{"hour": 2, "minute": 58}
